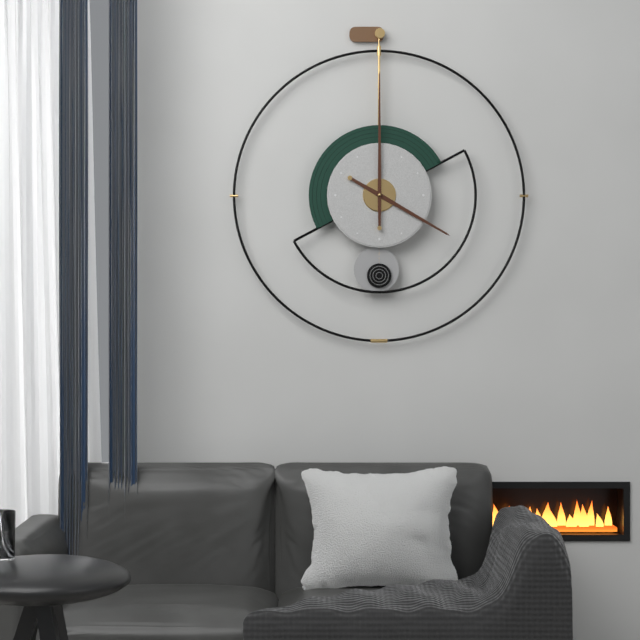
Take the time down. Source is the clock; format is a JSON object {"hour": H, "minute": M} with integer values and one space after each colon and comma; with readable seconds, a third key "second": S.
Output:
{"hour": 4, "minute": 0}
